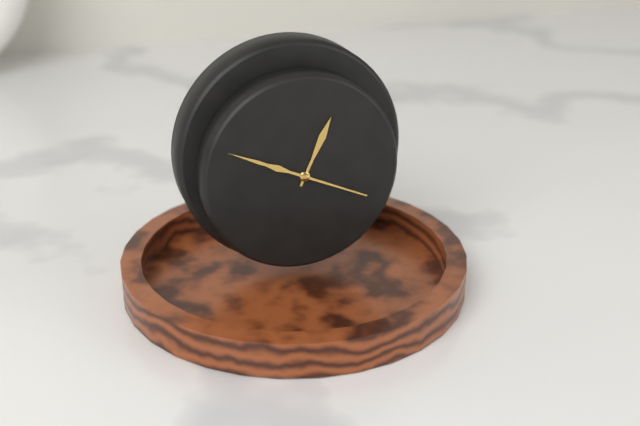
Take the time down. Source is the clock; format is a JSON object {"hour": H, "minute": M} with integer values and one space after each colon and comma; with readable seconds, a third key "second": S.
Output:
{"hour": 12, "minute": 49}
